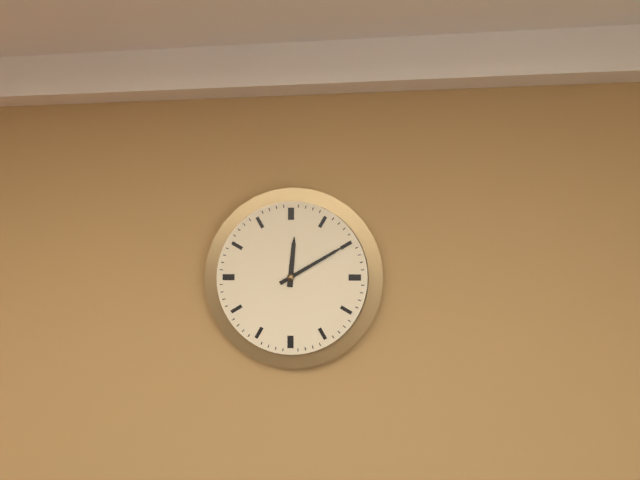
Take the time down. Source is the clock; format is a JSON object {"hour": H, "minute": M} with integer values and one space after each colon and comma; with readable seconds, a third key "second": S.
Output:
{"hour": 12, "minute": 10}
